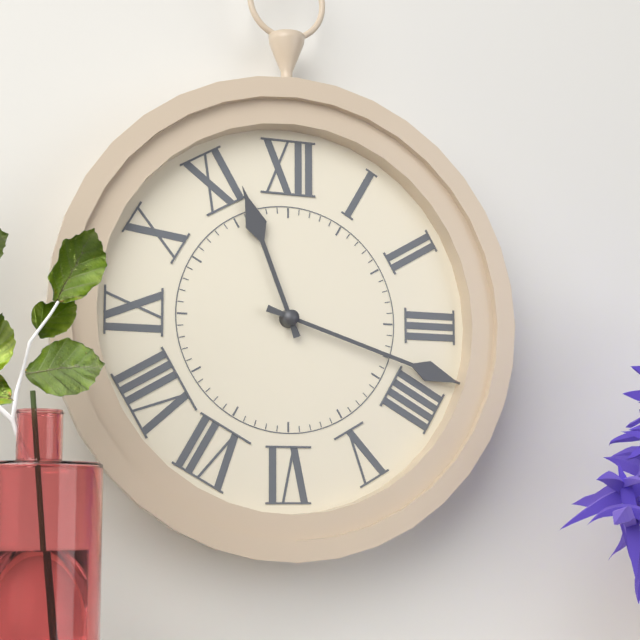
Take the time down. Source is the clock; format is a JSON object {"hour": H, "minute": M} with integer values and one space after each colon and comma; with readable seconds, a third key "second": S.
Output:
{"hour": 11, "minute": 18}
